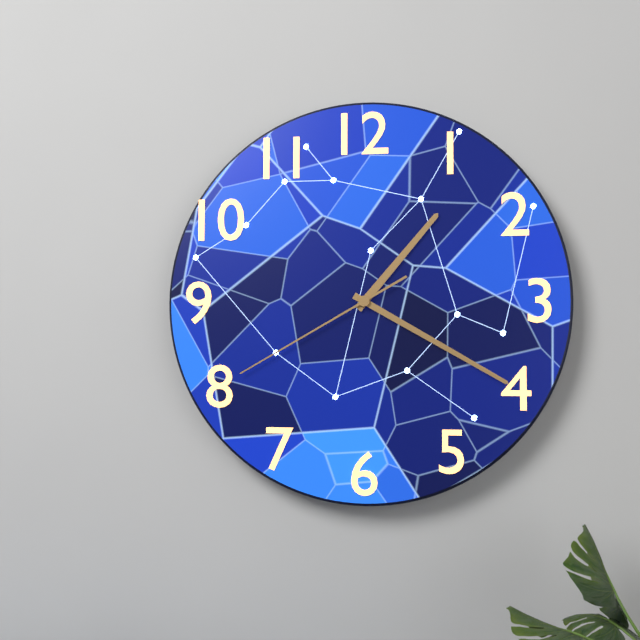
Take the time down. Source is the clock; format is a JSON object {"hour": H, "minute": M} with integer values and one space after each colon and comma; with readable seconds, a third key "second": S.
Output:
{"hour": 1, "minute": 20, "second": 40}
